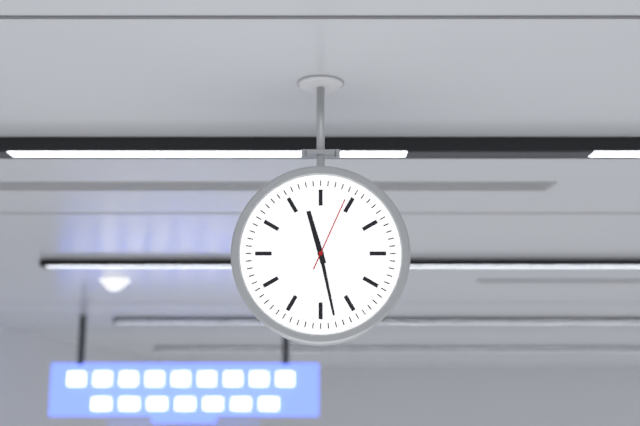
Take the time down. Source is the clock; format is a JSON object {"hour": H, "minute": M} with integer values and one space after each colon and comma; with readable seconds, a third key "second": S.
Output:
{"hour": 11, "minute": 28, "second": 4}
